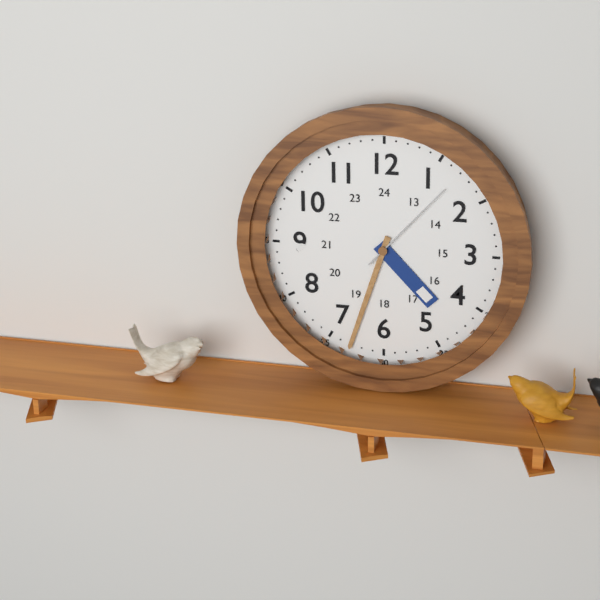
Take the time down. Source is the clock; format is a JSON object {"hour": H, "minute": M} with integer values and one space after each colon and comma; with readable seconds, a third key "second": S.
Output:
{"hour": 4, "minute": 33, "second": 7}
